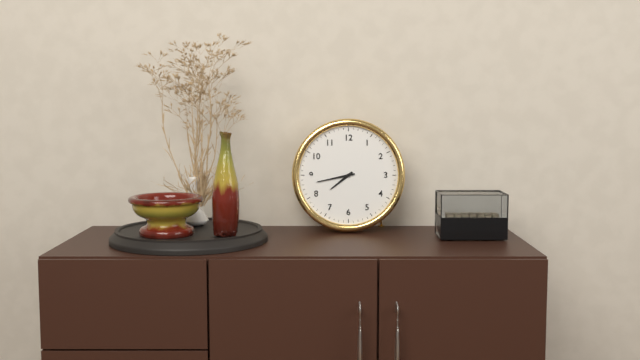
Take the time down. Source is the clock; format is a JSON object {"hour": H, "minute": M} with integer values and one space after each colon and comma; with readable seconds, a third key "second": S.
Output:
{"hour": 7, "minute": 43}
